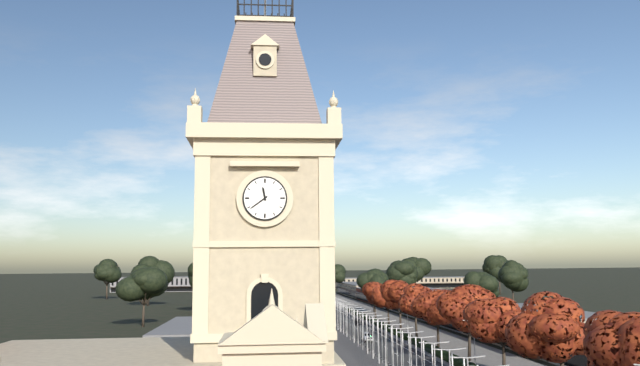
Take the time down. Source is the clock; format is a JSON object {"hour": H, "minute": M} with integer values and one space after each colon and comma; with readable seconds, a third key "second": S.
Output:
{"hour": 11, "minute": 39}
